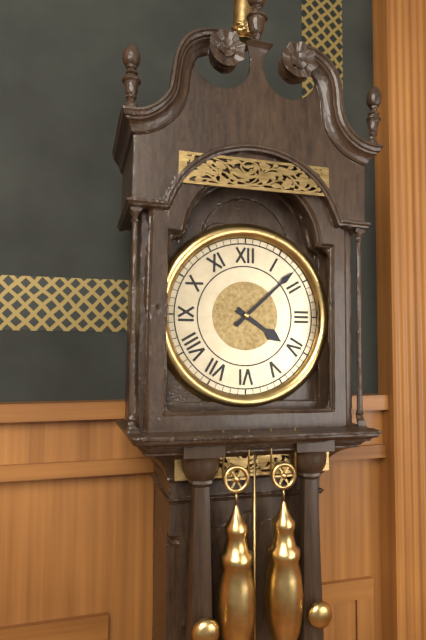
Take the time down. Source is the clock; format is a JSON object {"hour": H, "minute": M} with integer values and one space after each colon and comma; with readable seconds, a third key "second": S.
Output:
{"hour": 4, "minute": 8}
